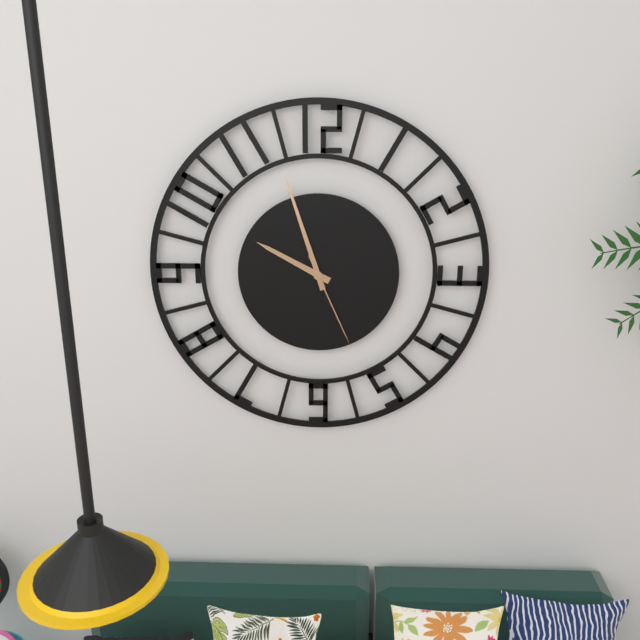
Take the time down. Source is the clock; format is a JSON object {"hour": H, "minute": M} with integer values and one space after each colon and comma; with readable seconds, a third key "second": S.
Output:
{"hour": 9, "minute": 57, "second": 26}
